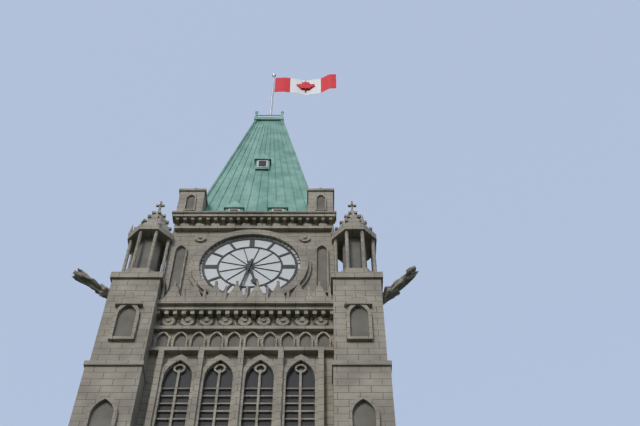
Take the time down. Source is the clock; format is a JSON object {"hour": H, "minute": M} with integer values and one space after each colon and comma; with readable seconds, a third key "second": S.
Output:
{"hour": 5, "minute": 32}
